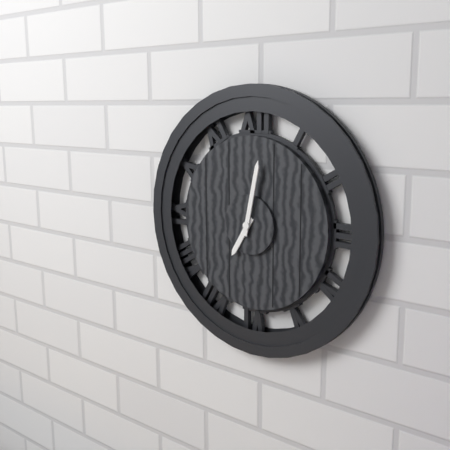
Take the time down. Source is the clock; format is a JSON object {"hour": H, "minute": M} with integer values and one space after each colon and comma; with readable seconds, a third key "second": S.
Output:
{"hour": 7, "minute": 2}
